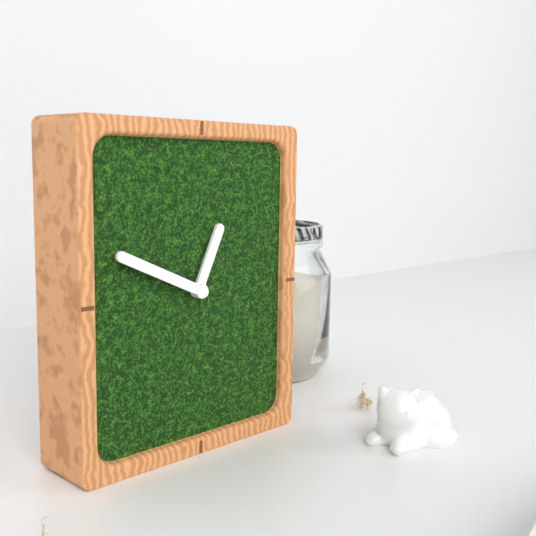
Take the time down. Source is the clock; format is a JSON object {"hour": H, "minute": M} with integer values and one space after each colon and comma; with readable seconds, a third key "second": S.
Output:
{"hour": 12, "minute": 49}
